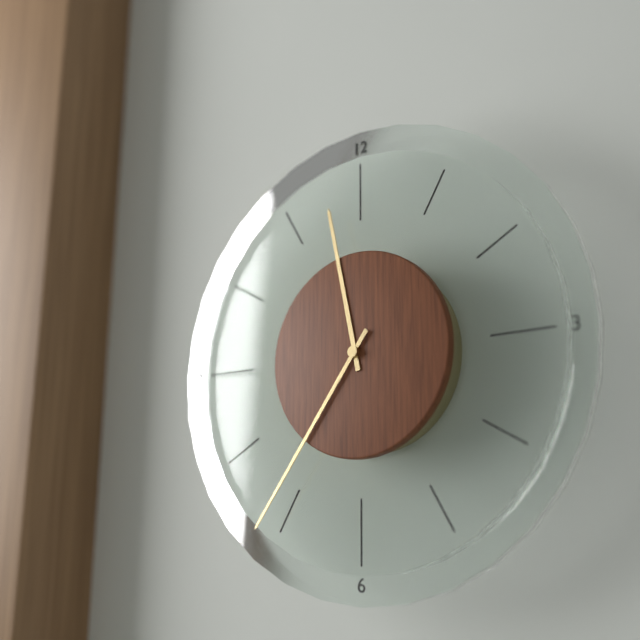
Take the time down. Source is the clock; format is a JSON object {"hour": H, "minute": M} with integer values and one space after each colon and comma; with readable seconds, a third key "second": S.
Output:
{"hour": 11, "minute": 36}
